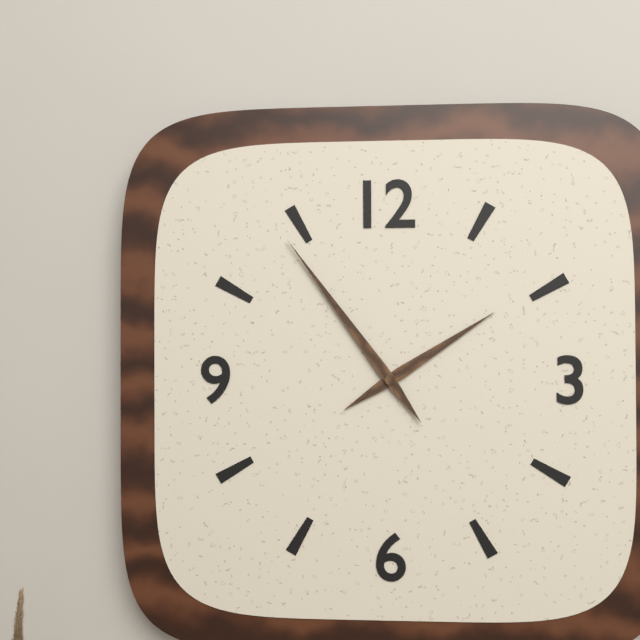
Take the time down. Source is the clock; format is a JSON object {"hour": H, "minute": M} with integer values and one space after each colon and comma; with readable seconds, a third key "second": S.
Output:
{"hour": 1, "minute": 54}
